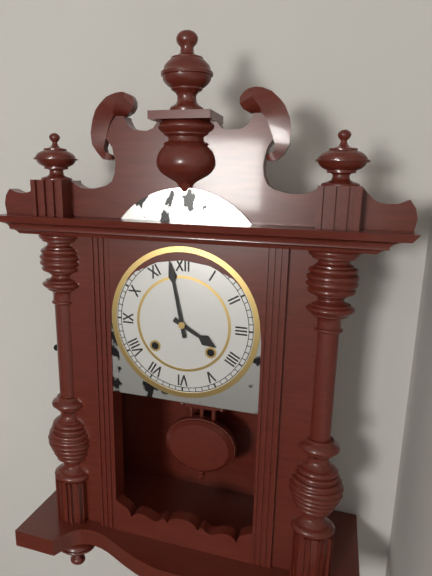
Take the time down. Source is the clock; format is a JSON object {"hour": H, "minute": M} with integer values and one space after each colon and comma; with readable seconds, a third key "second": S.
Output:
{"hour": 3, "minute": 58}
